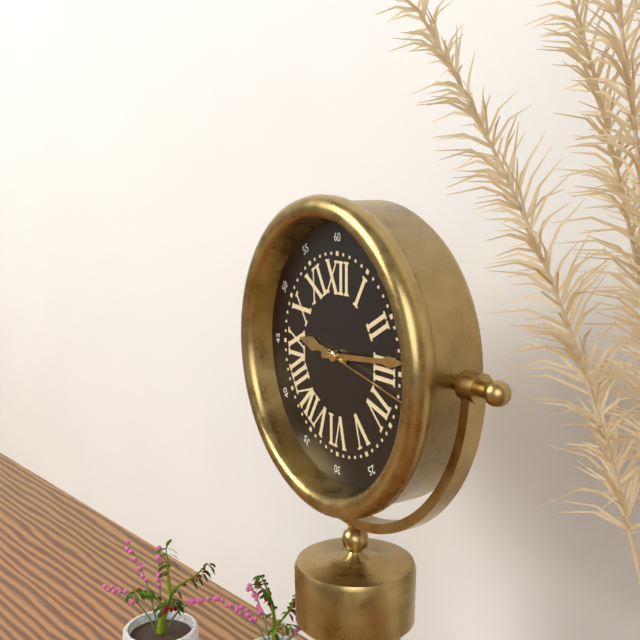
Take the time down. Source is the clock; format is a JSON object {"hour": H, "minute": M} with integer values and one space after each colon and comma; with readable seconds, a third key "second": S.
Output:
{"hour": 9, "minute": 14, "second": 17}
